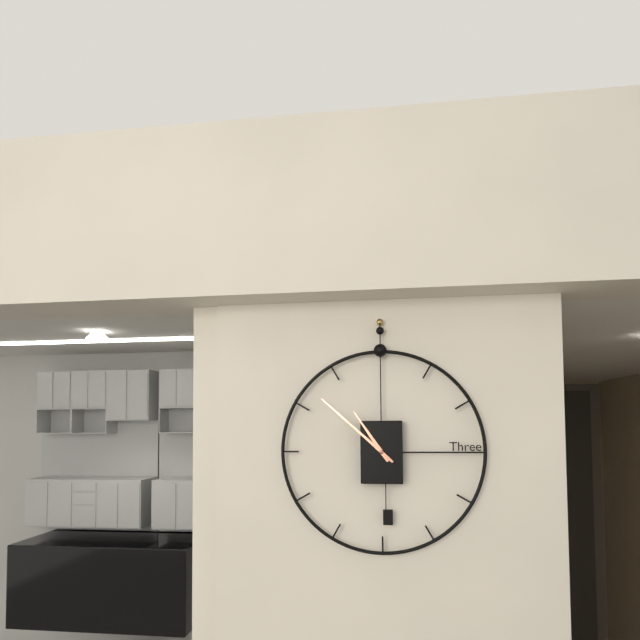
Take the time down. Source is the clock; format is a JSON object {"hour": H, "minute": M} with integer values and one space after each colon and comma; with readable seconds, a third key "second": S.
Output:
{"hour": 10, "minute": 52}
